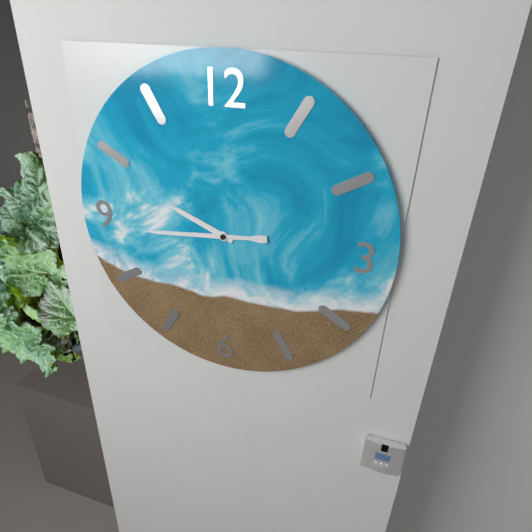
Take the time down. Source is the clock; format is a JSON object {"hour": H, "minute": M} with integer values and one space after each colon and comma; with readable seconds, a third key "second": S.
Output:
{"hour": 9, "minute": 44}
